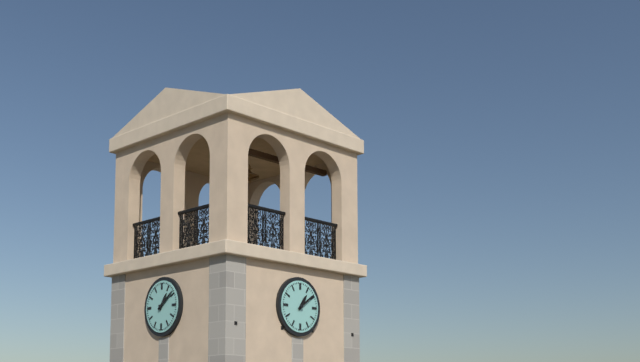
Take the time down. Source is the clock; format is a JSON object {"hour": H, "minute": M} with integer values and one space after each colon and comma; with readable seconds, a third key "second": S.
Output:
{"hour": 1, "minute": 9}
